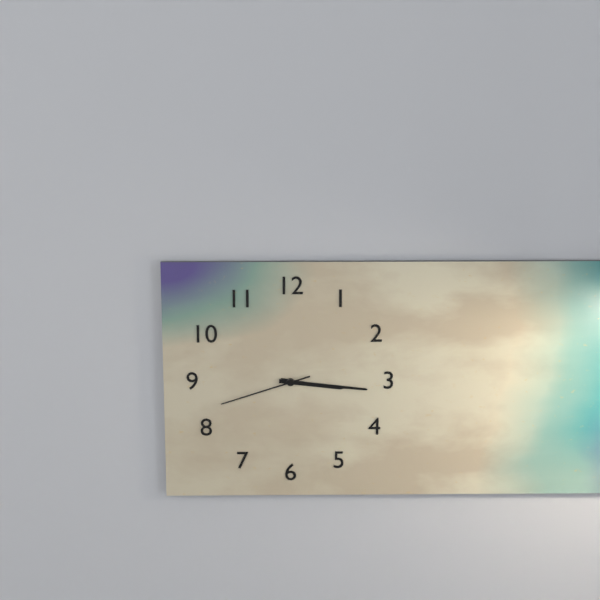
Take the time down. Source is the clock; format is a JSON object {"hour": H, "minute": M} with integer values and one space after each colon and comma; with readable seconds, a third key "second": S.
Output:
{"hour": 3, "minute": 16, "second": 42}
